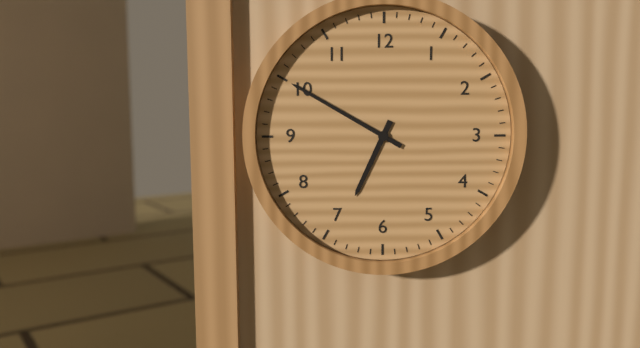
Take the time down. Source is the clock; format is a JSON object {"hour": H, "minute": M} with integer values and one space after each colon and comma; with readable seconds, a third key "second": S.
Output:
{"hour": 6, "minute": 50}
